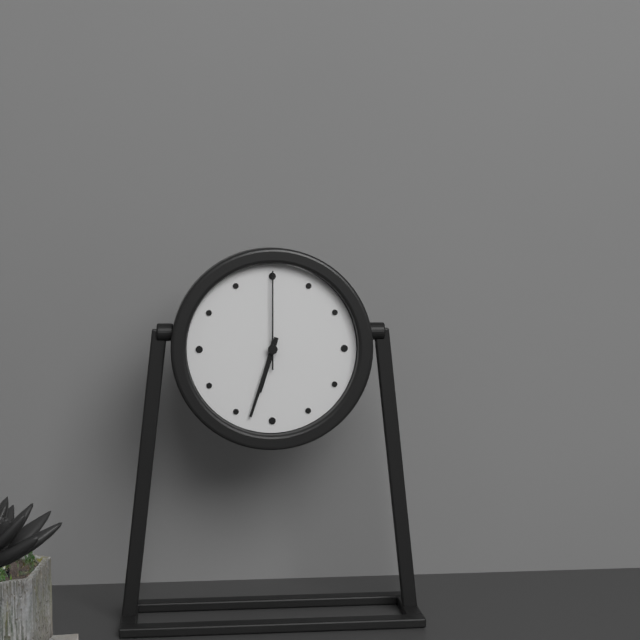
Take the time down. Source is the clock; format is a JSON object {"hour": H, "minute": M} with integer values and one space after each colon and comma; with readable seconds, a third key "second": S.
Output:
{"hour": 6, "minute": 33, "second": 0}
